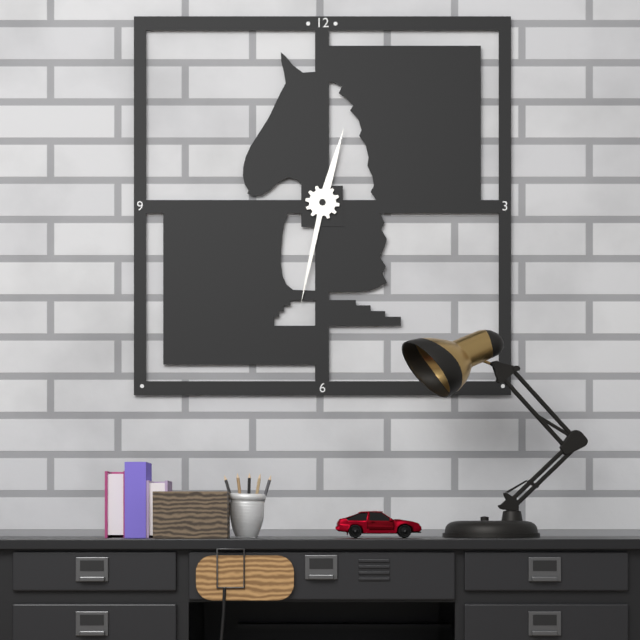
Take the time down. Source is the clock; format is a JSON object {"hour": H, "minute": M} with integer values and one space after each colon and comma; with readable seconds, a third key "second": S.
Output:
{"hour": 12, "minute": 32}
